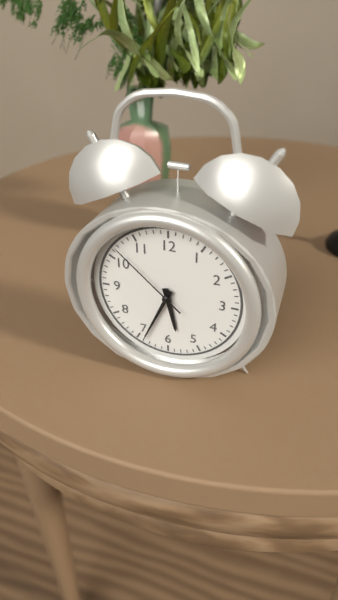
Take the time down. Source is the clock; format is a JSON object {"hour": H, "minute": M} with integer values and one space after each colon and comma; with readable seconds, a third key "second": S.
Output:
{"hour": 5, "minute": 34, "second": 52}
